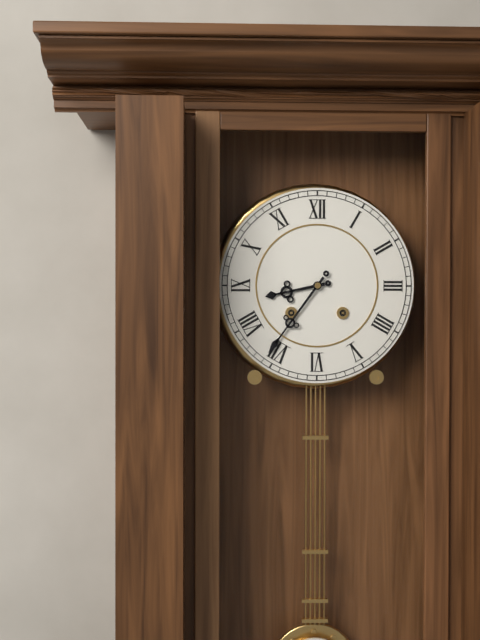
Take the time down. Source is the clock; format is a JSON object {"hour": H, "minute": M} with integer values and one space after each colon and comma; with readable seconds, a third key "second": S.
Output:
{"hour": 8, "minute": 36}
